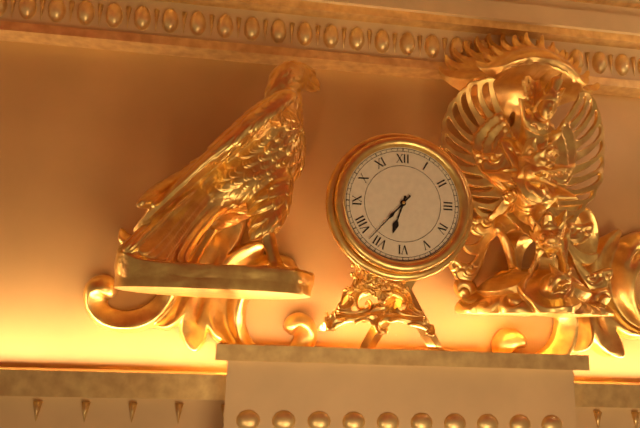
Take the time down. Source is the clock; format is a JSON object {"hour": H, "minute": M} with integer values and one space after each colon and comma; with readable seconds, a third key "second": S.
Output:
{"hour": 6, "minute": 37}
